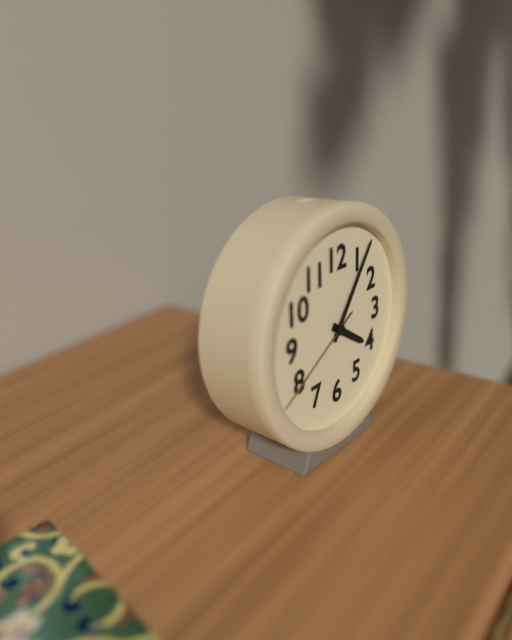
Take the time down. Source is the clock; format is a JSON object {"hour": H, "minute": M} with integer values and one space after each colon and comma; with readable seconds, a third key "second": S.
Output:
{"hour": 4, "minute": 6, "second": 40}
